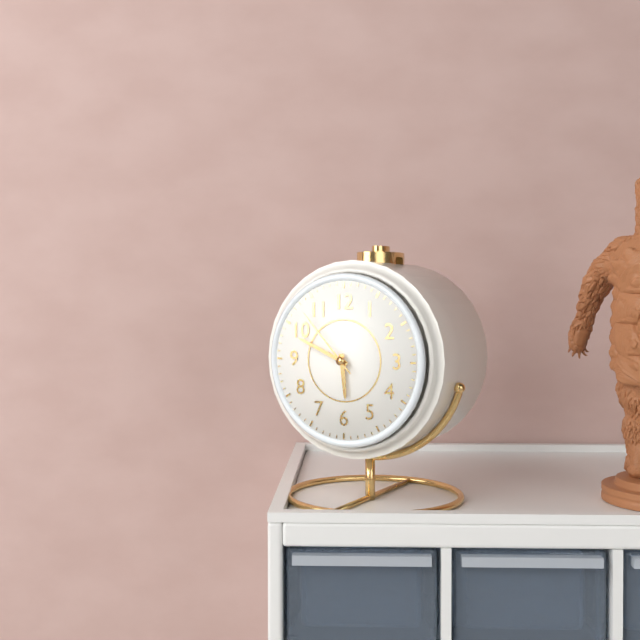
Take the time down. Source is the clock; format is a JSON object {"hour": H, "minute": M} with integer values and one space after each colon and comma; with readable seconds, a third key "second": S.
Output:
{"hour": 5, "minute": 49, "second": 53}
